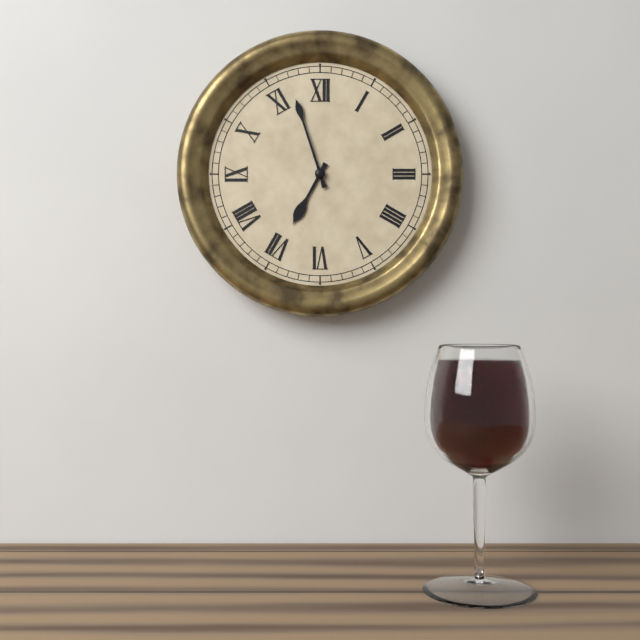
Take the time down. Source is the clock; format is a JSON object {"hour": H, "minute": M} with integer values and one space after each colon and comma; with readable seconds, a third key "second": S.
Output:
{"hour": 6, "minute": 57}
